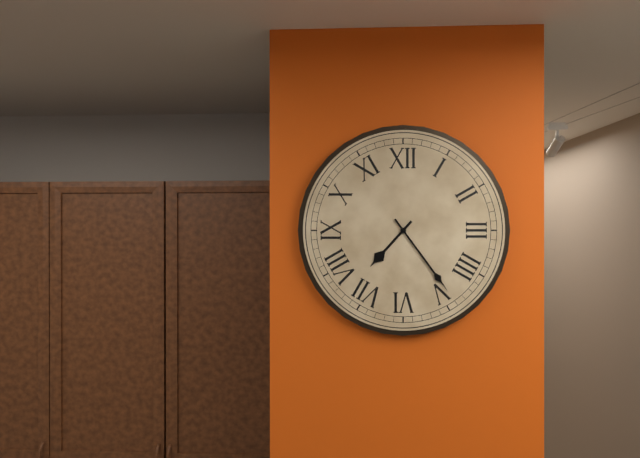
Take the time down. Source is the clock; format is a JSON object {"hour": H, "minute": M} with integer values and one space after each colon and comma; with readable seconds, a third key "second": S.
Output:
{"hour": 7, "minute": 24}
